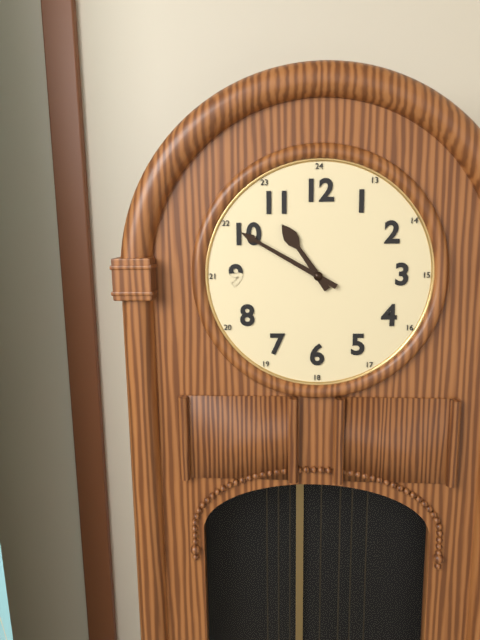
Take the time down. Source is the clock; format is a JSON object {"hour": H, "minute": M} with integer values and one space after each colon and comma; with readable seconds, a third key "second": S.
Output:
{"hour": 10, "minute": 50}
